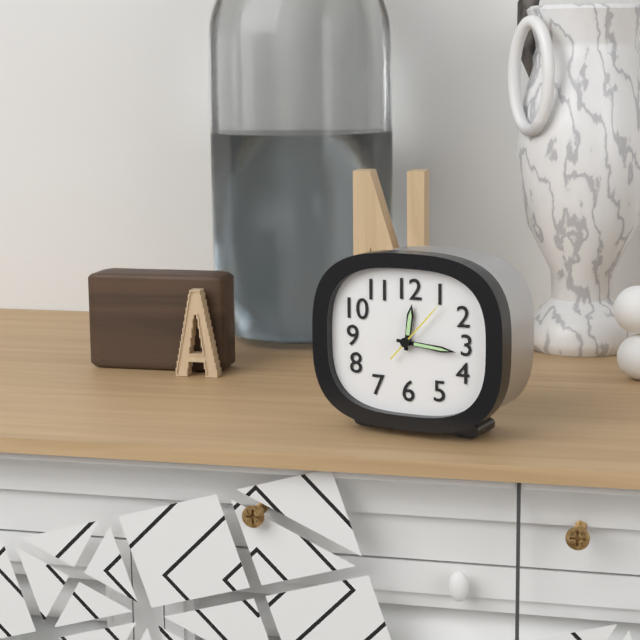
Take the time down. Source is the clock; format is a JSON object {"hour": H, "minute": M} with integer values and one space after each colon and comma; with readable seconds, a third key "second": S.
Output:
{"hour": 12, "minute": 16, "second": 7}
